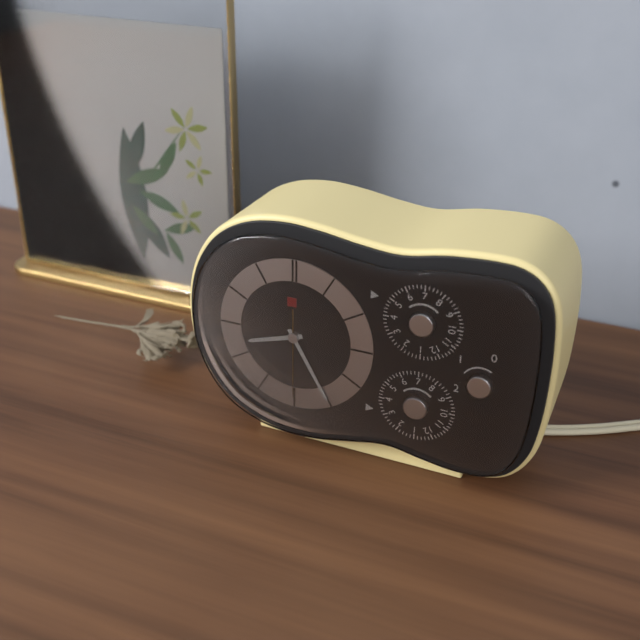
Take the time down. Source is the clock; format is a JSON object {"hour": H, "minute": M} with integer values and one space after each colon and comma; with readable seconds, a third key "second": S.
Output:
{"hour": 8, "minute": 25, "second": 30}
